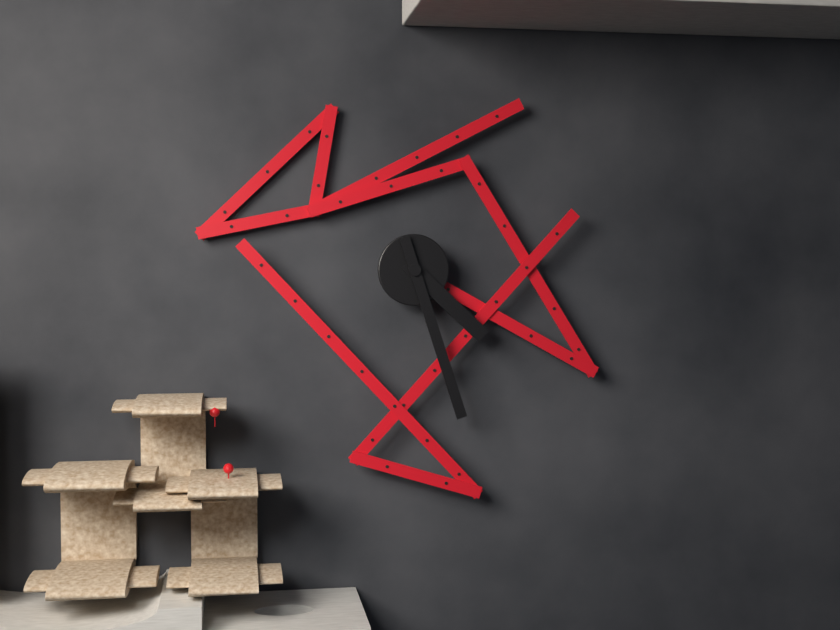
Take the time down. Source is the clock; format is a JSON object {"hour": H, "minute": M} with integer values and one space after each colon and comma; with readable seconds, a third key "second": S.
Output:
{"hour": 4, "minute": 27}
